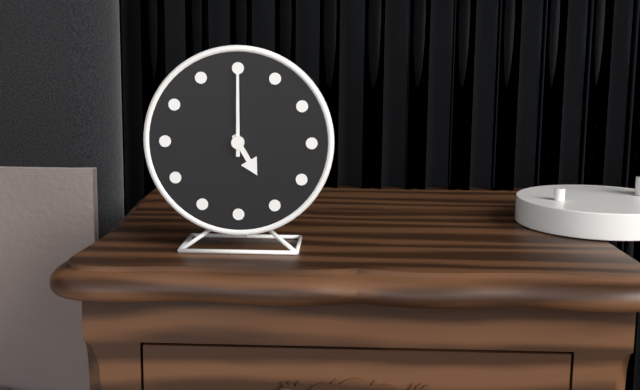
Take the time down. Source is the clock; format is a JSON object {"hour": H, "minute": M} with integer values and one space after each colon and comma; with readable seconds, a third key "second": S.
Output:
{"hour": 5, "minute": 0}
